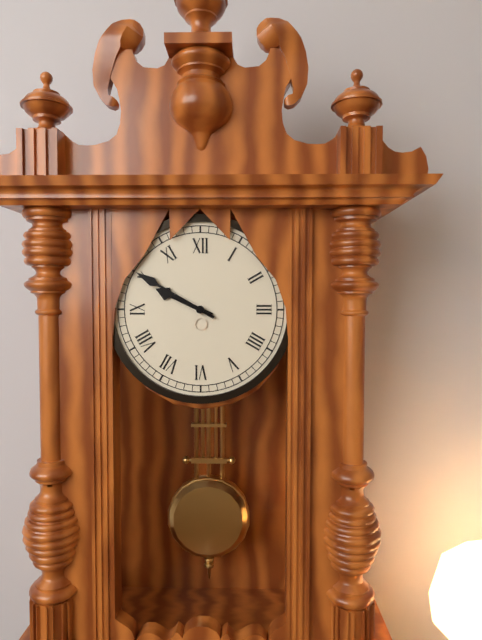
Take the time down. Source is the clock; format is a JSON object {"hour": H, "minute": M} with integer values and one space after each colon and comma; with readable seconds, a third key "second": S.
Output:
{"hour": 9, "minute": 50}
